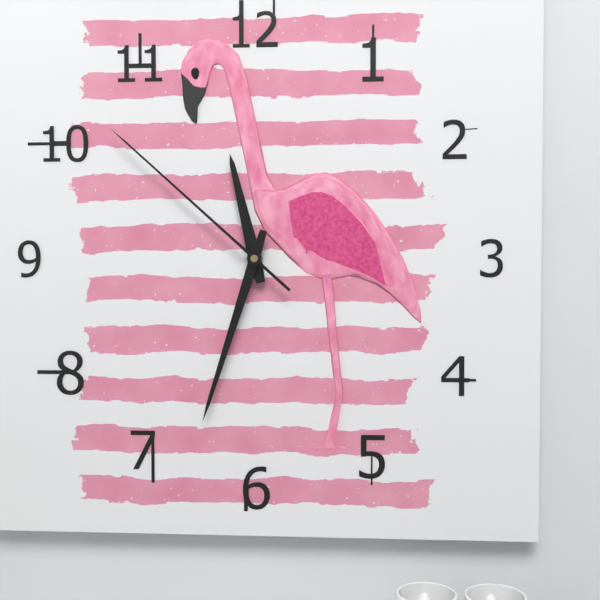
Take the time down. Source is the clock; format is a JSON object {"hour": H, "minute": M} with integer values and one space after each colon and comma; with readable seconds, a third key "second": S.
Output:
{"hour": 11, "minute": 33, "second": 52}
